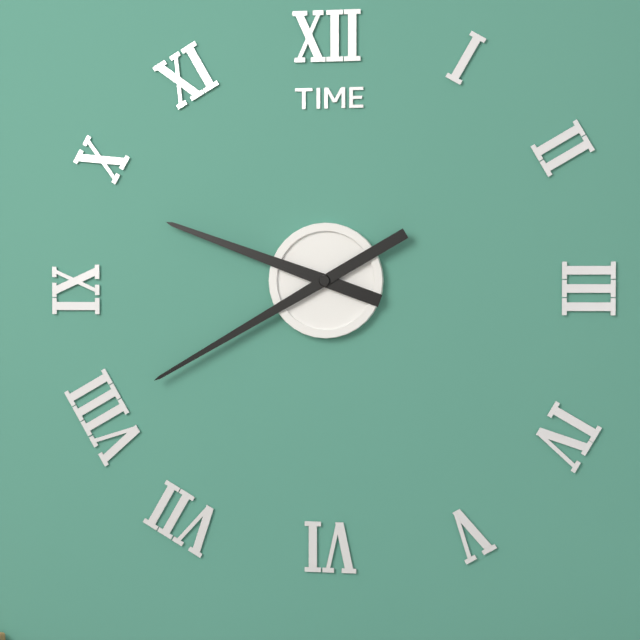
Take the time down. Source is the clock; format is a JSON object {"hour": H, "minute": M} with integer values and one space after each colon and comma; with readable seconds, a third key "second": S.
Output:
{"hour": 9, "minute": 40}
